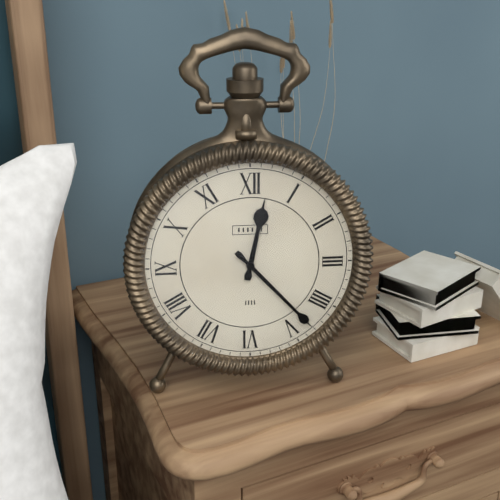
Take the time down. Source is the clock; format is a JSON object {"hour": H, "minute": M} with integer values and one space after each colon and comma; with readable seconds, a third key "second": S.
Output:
{"hour": 12, "minute": 23}
